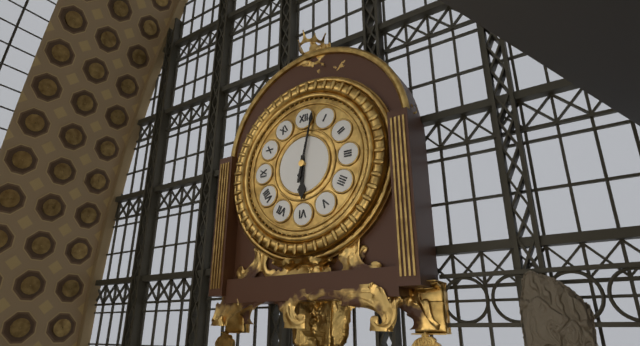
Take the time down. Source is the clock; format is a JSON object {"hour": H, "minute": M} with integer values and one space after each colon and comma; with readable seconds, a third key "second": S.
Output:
{"hour": 6, "minute": 2}
